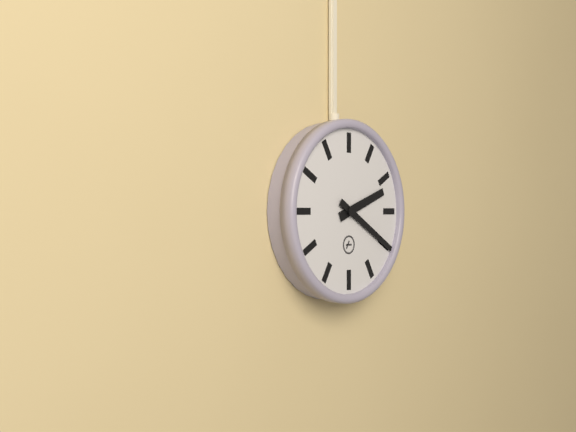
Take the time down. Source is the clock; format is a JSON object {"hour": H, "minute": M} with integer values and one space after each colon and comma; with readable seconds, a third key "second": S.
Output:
{"hour": 2, "minute": 20}
